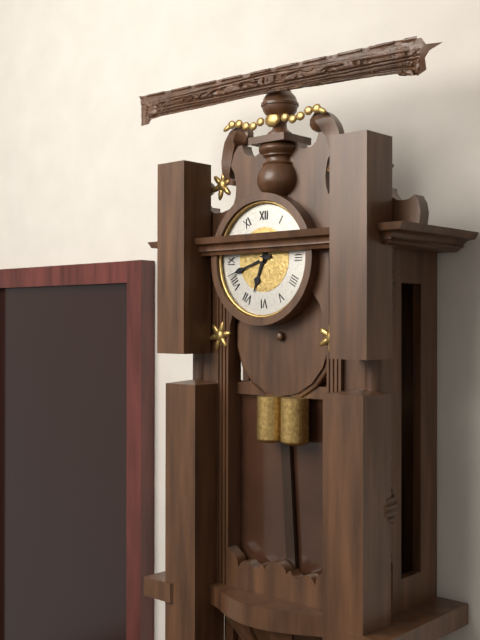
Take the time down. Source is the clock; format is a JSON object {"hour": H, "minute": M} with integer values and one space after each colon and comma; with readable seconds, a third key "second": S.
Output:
{"hour": 6, "minute": 42}
